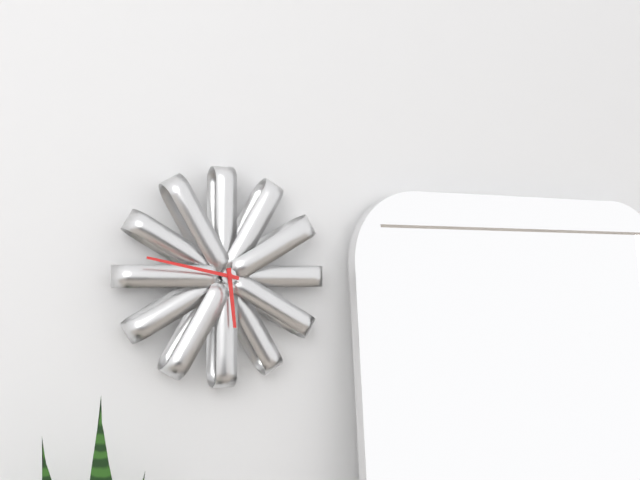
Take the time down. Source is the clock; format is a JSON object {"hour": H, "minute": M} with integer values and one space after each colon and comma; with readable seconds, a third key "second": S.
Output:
{"hour": 5, "minute": 47}
